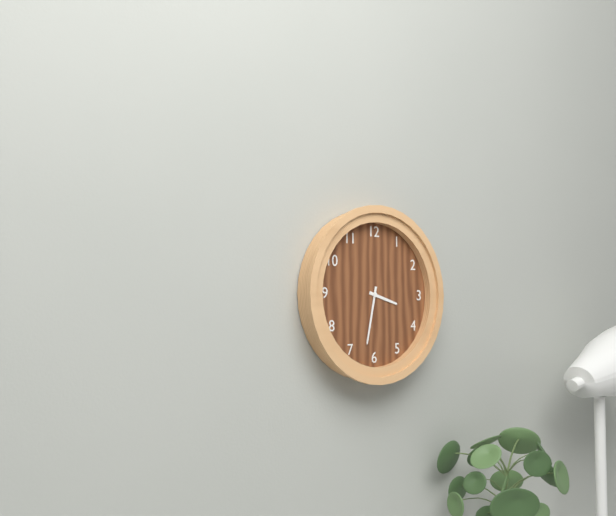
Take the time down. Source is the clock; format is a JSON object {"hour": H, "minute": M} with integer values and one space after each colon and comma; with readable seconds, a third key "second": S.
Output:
{"hour": 3, "minute": 32}
